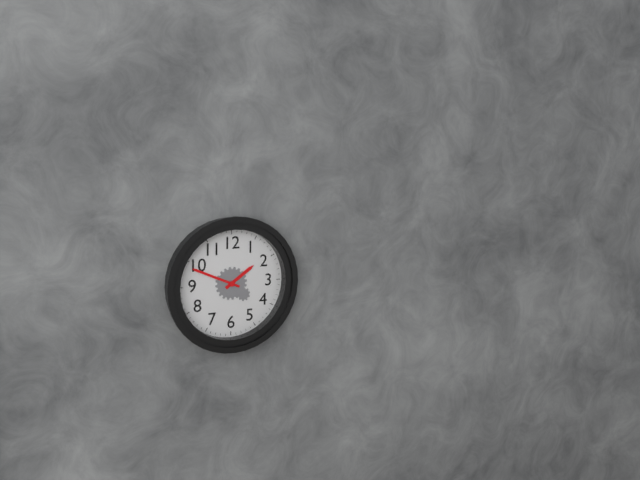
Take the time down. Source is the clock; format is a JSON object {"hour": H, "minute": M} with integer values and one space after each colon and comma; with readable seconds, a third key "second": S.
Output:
{"hour": 1, "minute": 49}
